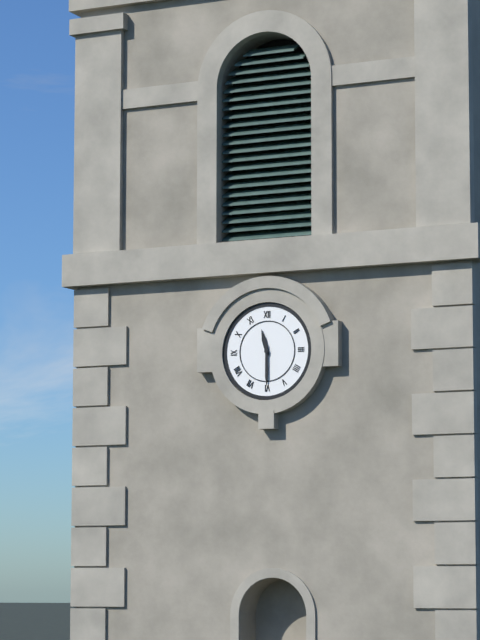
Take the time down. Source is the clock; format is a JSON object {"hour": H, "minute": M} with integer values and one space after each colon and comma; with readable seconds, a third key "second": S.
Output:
{"hour": 11, "minute": 30}
